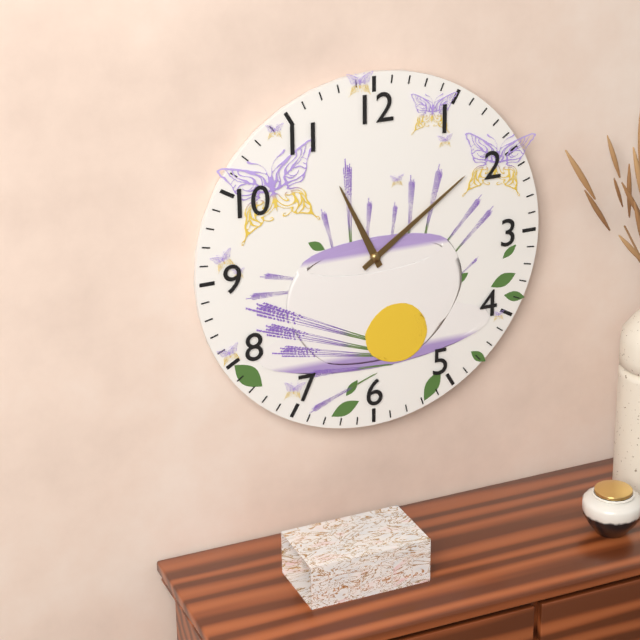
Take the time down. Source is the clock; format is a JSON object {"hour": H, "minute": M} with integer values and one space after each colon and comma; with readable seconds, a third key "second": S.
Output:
{"hour": 11, "minute": 9}
